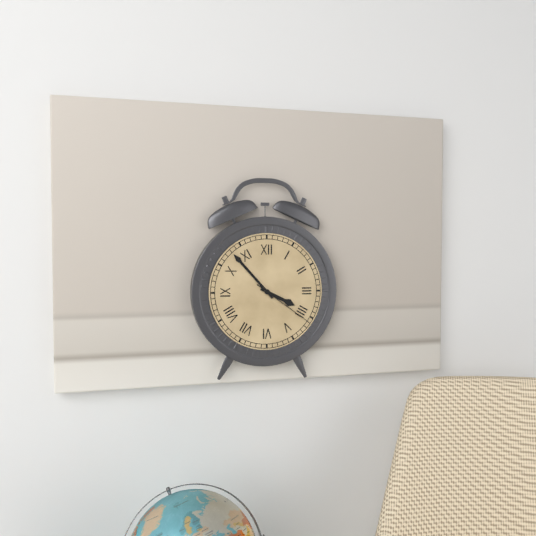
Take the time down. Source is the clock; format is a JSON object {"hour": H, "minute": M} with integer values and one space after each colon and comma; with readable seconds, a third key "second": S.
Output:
{"hour": 3, "minute": 53, "second": 21}
